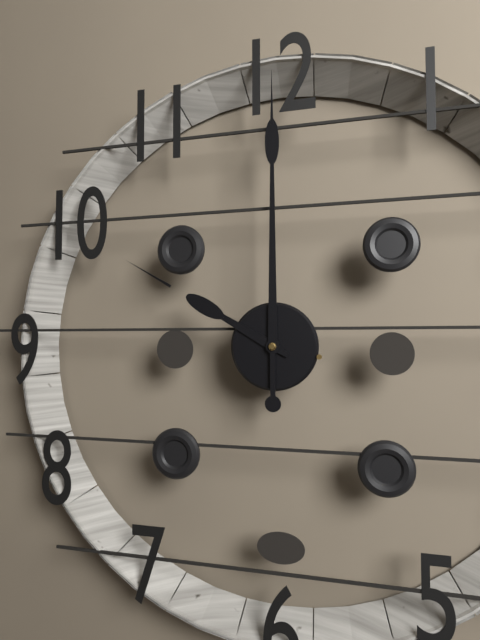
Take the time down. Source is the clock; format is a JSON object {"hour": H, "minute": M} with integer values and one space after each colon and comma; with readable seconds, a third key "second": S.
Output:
{"hour": 10, "minute": 0}
